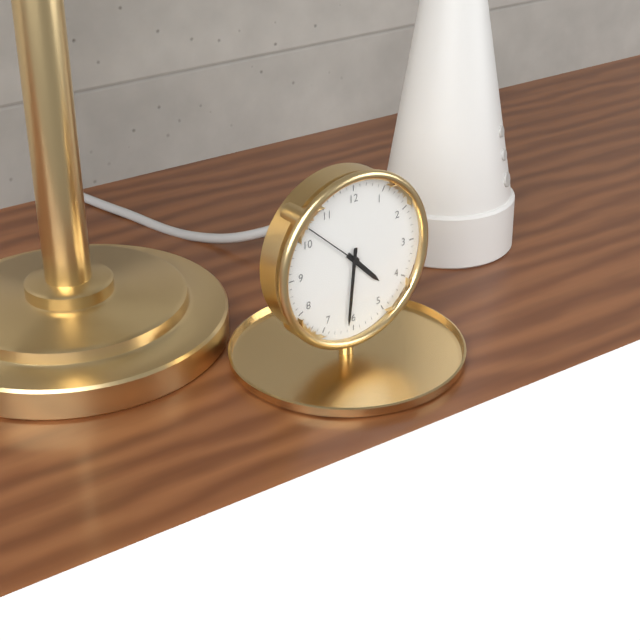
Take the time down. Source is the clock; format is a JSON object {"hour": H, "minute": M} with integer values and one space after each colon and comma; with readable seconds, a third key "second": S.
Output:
{"hour": 4, "minute": 31, "second": 52}
